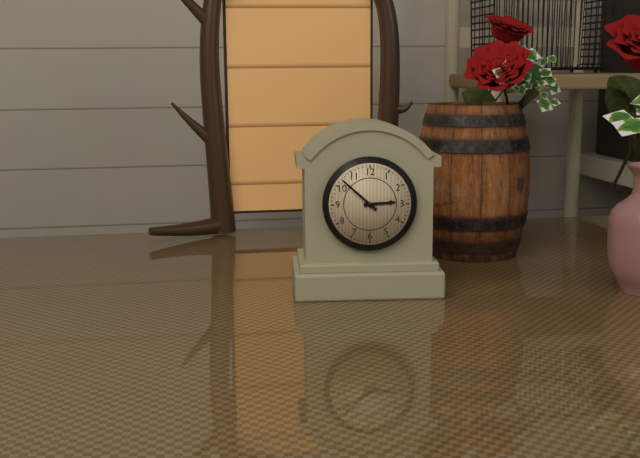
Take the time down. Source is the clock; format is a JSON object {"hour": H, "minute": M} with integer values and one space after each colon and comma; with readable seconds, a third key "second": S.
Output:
{"hour": 2, "minute": 52}
